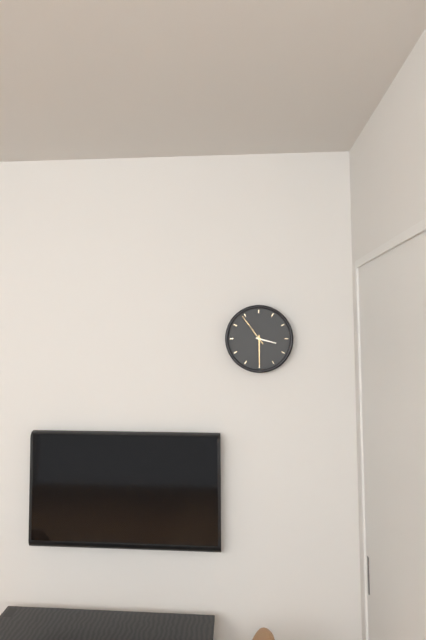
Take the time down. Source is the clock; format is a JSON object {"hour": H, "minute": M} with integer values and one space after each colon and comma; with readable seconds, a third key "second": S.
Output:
{"hour": 3, "minute": 30}
